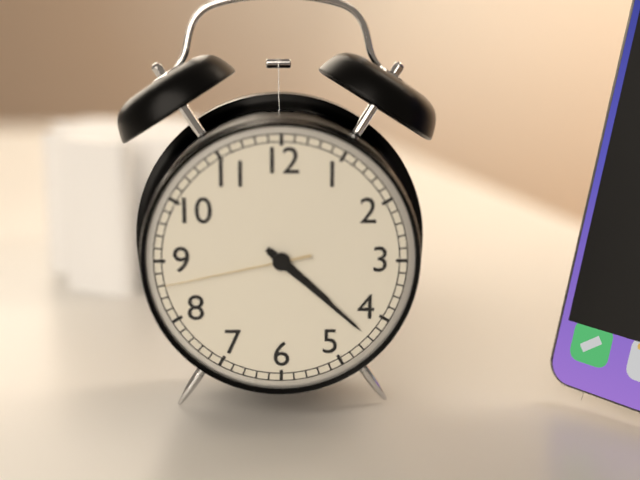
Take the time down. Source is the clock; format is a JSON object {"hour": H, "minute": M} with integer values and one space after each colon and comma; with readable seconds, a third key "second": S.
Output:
{"hour": 4, "minute": 22, "second": 43}
